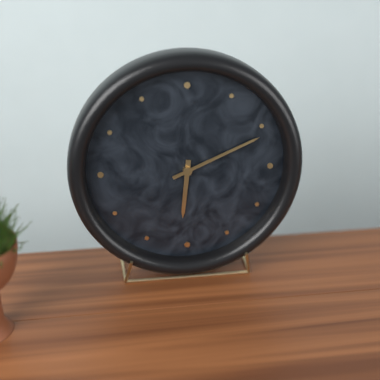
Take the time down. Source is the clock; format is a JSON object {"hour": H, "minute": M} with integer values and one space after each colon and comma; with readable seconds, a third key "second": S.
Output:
{"hour": 6, "minute": 11}
